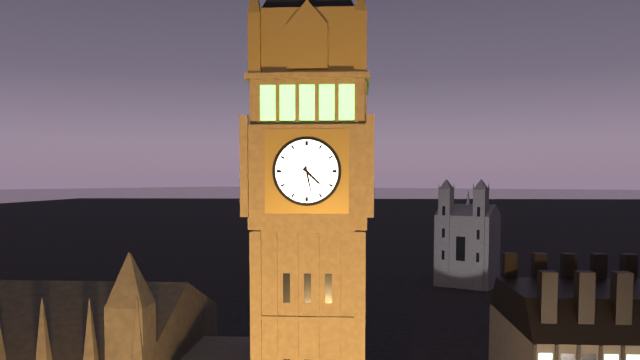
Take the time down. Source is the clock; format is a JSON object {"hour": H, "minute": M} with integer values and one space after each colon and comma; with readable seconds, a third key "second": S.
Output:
{"hour": 4, "minute": 28}
